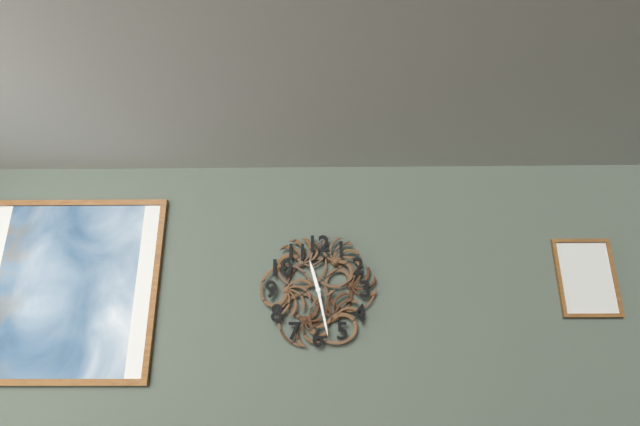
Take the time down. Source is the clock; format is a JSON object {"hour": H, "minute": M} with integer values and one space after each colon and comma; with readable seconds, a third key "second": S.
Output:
{"hour": 11, "minute": 28}
